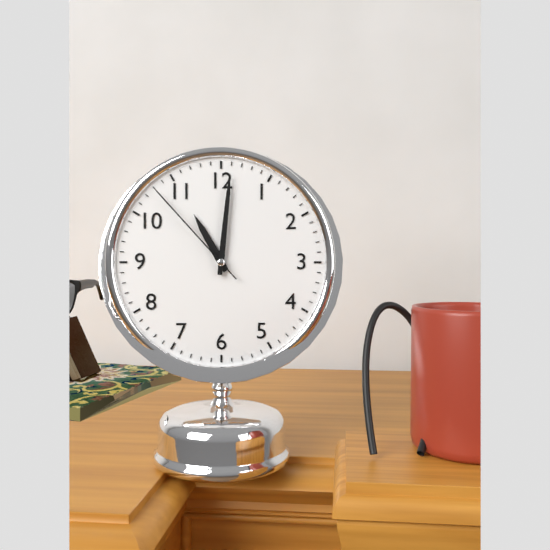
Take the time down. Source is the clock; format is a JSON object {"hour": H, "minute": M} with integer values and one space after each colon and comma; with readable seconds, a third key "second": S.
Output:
{"hour": 11, "minute": 1, "second": 53}
